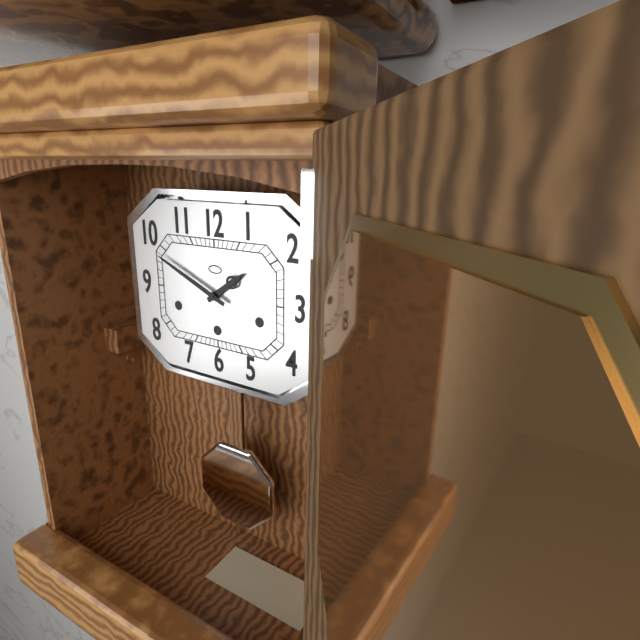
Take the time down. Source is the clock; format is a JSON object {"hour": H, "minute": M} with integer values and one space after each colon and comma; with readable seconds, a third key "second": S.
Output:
{"hour": 1, "minute": 49}
